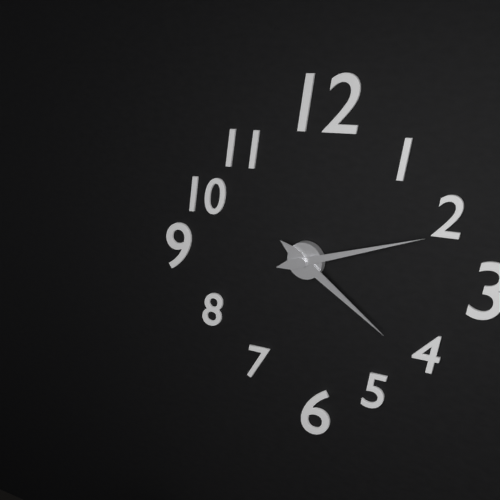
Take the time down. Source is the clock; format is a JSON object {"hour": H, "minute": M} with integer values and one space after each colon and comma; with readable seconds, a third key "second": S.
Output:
{"hour": 4, "minute": 12}
